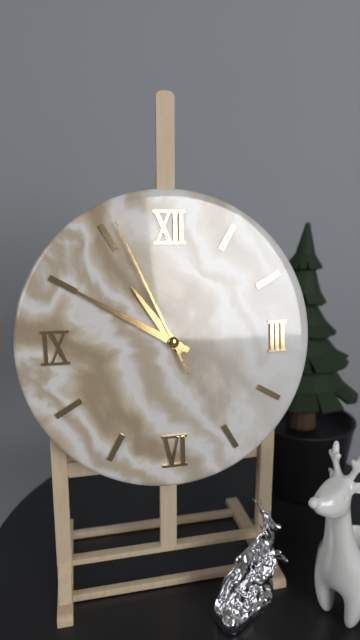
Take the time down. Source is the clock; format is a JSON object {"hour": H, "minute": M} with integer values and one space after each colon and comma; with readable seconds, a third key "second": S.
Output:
{"hour": 10, "minute": 50, "second": 56}
